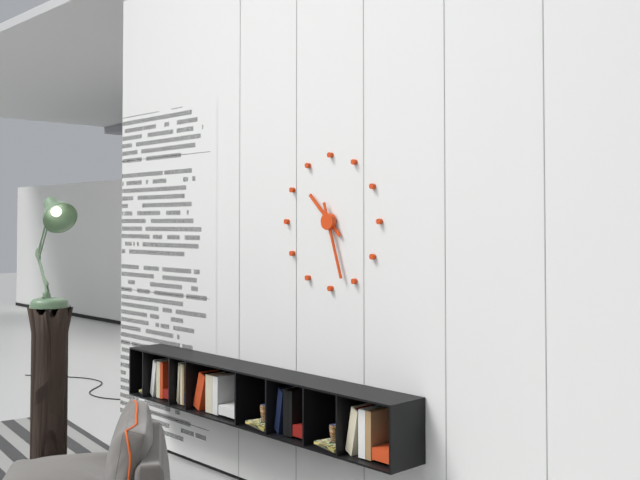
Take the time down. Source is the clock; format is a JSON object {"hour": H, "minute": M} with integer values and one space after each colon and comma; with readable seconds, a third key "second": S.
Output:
{"hour": 10, "minute": 27}
